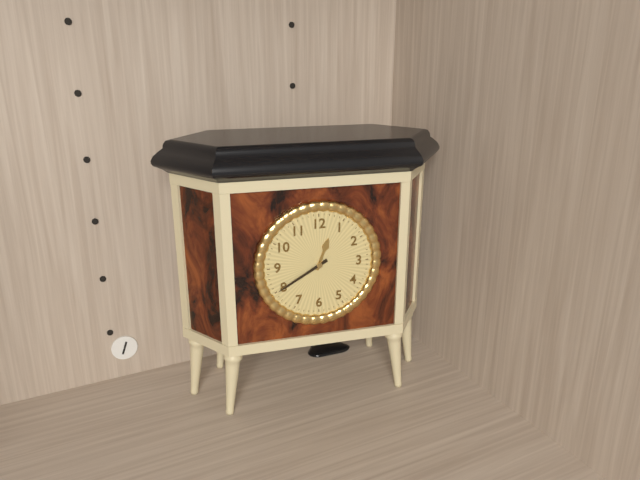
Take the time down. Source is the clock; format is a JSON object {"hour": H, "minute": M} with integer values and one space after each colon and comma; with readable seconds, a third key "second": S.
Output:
{"hour": 12, "minute": 40}
